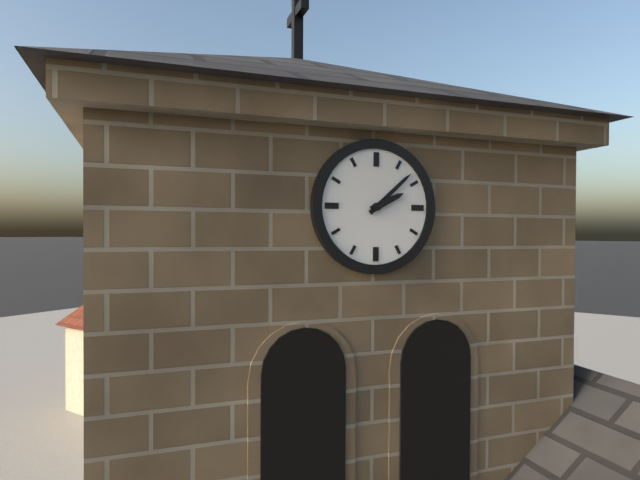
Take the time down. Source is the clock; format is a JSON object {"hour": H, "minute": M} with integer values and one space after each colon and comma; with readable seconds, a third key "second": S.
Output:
{"hour": 2, "minute": 8}
